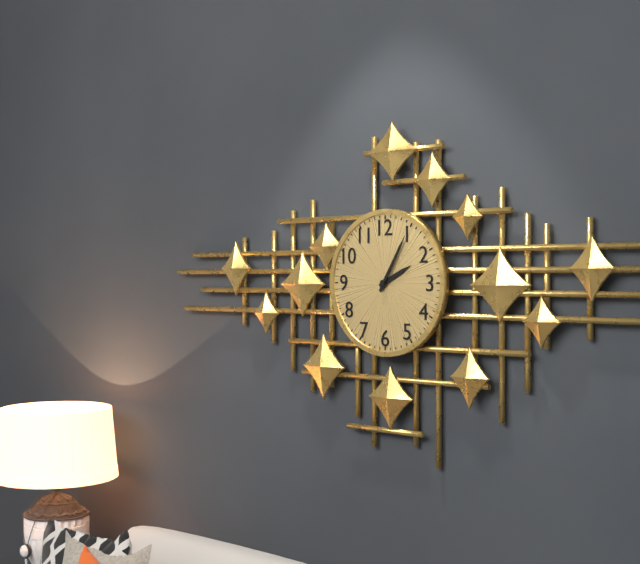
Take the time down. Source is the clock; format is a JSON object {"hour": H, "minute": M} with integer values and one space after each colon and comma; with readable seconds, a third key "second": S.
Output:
{"hour": 2, "minute": 5}
